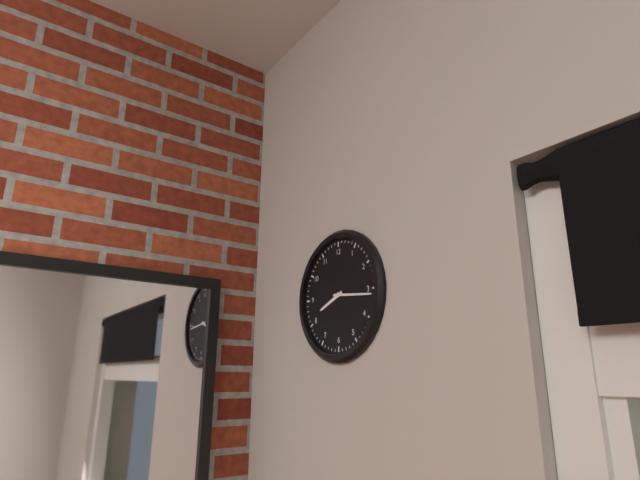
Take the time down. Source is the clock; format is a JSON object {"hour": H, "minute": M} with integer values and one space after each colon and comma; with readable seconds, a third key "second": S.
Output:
{"hour": 8, "minute": 16}
